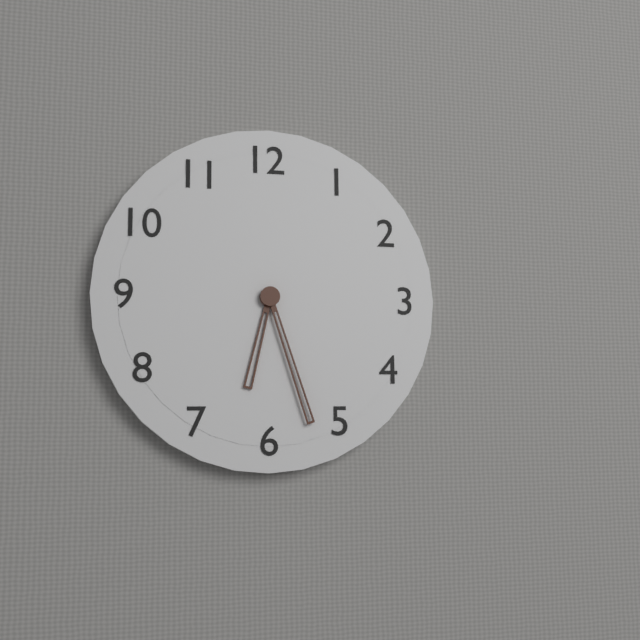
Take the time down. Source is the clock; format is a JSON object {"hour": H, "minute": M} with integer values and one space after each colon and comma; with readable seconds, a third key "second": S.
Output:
{"hour": 6, "minute": 27}
